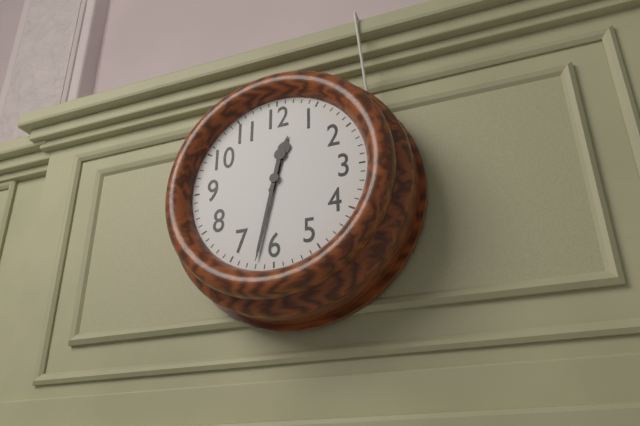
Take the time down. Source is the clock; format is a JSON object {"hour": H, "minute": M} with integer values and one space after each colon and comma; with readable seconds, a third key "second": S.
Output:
{"hour": 12, "minute": 32}
